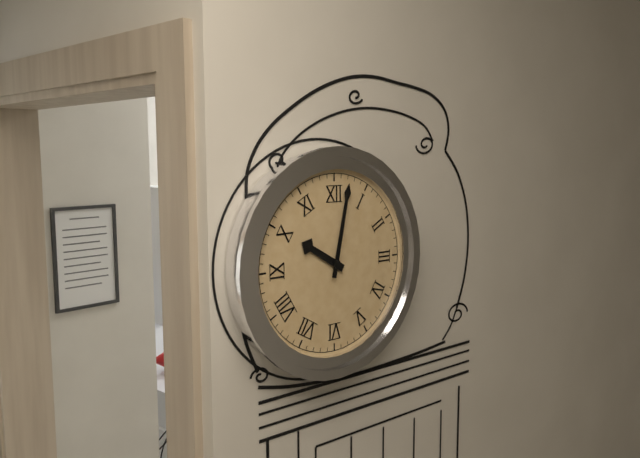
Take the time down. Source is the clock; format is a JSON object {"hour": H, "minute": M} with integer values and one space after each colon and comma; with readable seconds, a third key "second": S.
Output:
{"hour": 10, "minute": 2}
